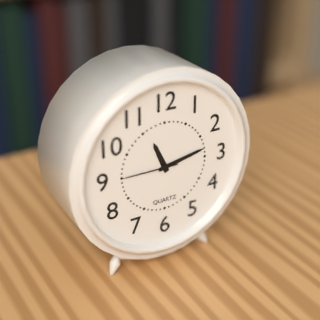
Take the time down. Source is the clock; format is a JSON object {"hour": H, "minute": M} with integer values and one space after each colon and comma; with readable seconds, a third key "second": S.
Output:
{"hour": 11, "minute": 13, "second": 45}
